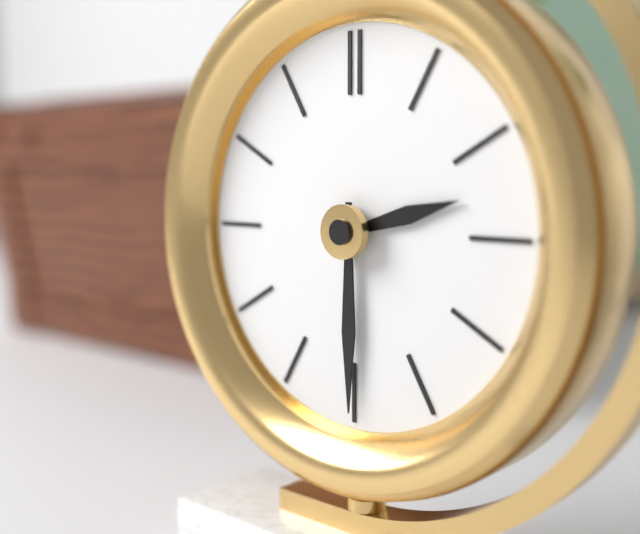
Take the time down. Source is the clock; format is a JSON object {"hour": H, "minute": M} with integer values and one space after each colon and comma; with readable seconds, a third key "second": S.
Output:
{"hour": 2, "minute": 30}
